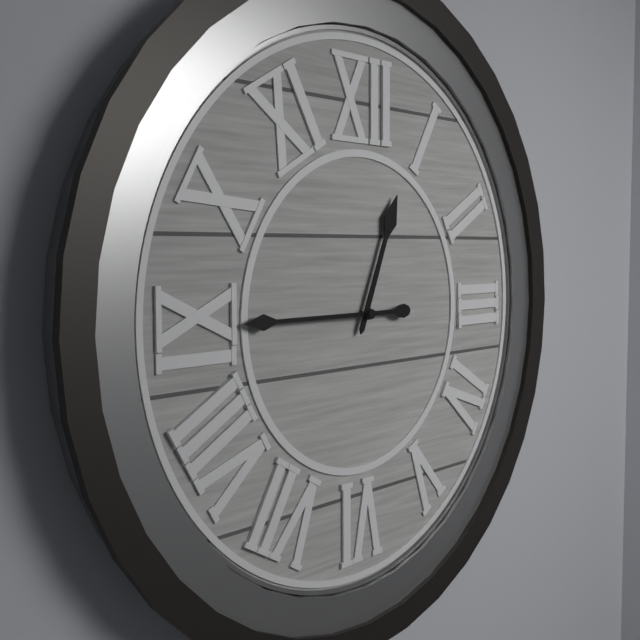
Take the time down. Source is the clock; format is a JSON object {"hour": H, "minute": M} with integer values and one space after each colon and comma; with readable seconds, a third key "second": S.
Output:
{"hour": 12, "minute": 45}
